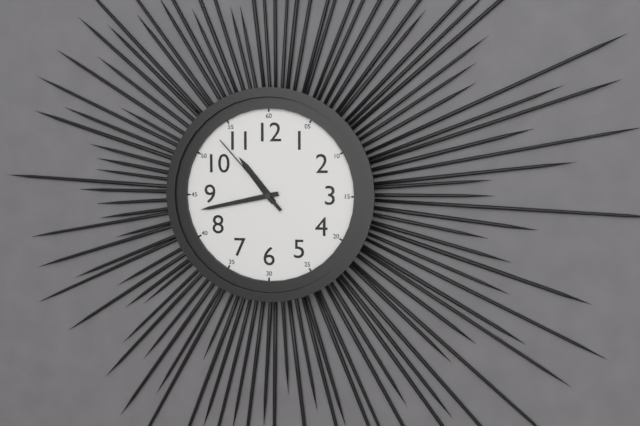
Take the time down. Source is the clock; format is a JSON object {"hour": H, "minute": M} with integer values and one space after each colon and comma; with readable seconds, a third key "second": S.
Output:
{"hour": 10, "minute": 43, "second": 53}
